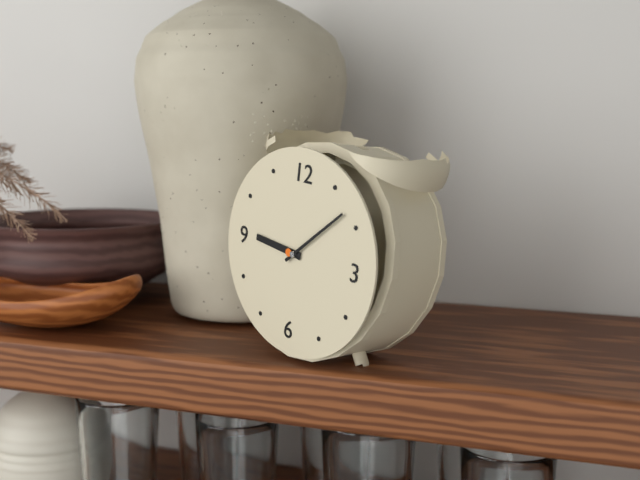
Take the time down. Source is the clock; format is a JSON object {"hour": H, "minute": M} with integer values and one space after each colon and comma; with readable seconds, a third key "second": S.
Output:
{"hour": 9, "minute": 8}
